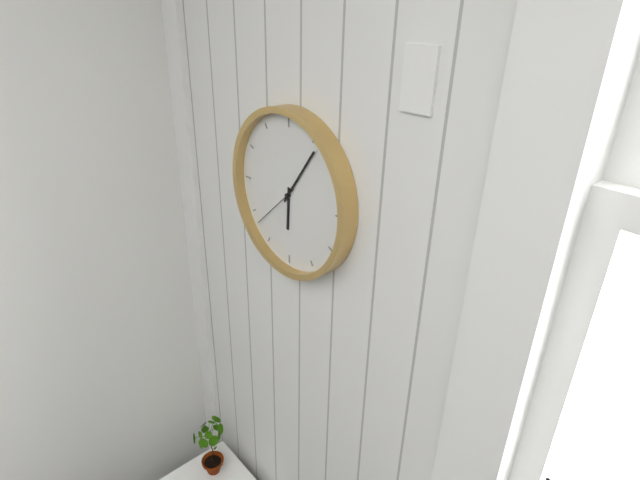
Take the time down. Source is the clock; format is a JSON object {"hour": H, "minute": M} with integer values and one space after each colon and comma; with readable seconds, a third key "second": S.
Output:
{"hour": 6, "minute": 6}
